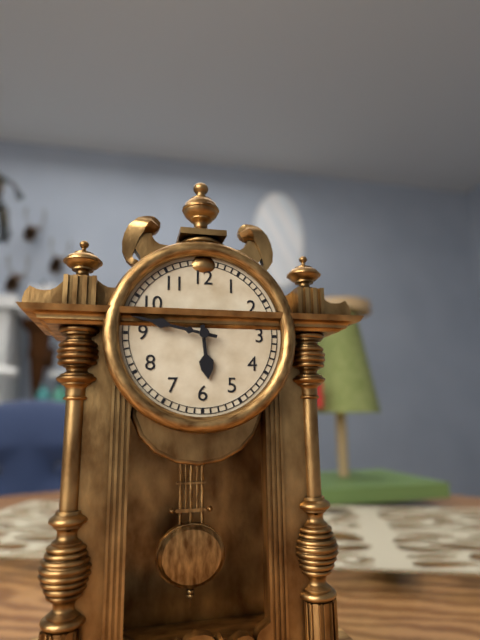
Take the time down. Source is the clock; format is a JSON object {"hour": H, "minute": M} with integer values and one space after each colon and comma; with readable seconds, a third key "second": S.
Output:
{"hour": 5, "minute": 47}
